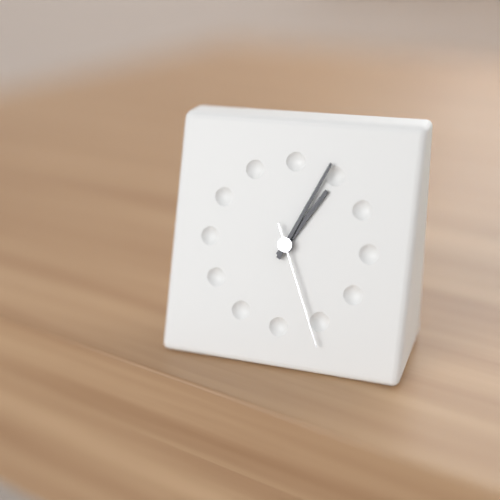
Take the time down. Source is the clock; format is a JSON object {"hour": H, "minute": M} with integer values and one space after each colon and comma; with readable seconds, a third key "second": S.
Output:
{"hour": 1, "minute": 4, "second": 26}
